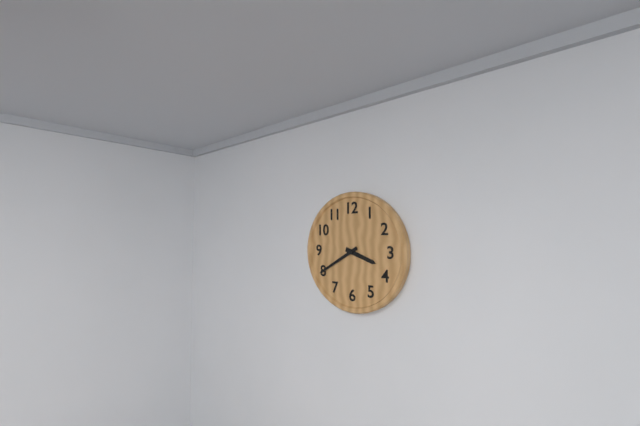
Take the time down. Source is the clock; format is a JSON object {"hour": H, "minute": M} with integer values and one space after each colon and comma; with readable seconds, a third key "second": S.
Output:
{"hour": 3, "minute": 40}
